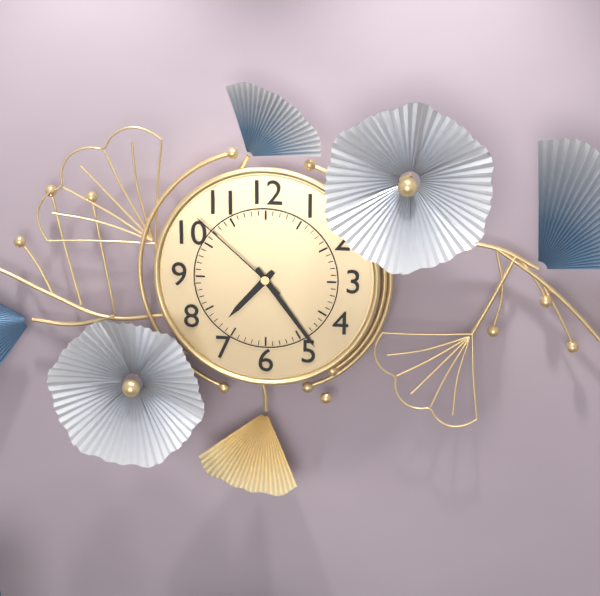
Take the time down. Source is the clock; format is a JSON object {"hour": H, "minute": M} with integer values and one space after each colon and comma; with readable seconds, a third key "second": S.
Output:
{"hour": 7, "minute": 24, "second": 52}
